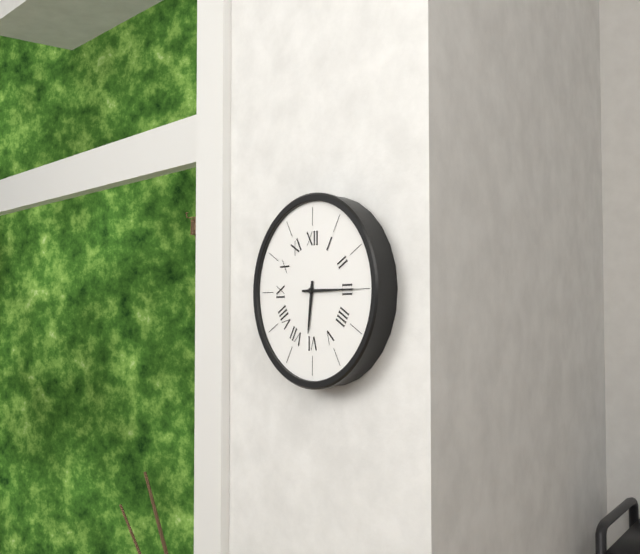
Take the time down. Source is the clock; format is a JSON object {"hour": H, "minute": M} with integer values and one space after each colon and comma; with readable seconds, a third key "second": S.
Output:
{"hour": 6, "minute": 15}
